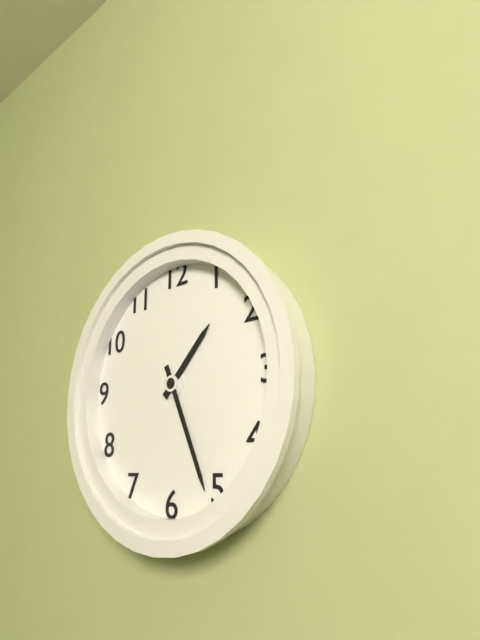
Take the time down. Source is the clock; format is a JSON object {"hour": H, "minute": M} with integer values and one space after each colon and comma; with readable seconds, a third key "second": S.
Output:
{"hour": 1, "minute": 26}
